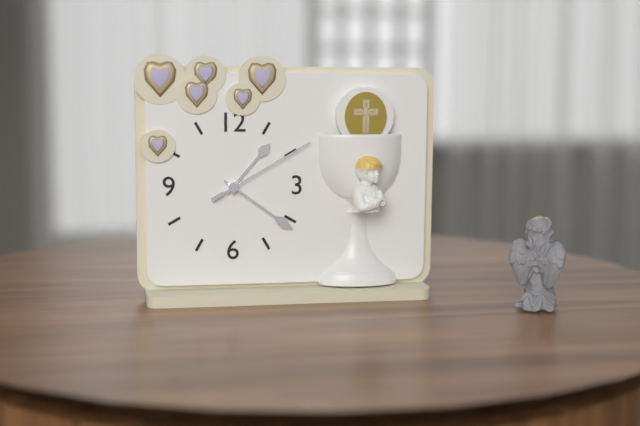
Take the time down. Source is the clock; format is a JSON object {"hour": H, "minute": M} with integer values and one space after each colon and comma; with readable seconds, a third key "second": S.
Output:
{"hour": 1, "minute": 21, "second": 10}
